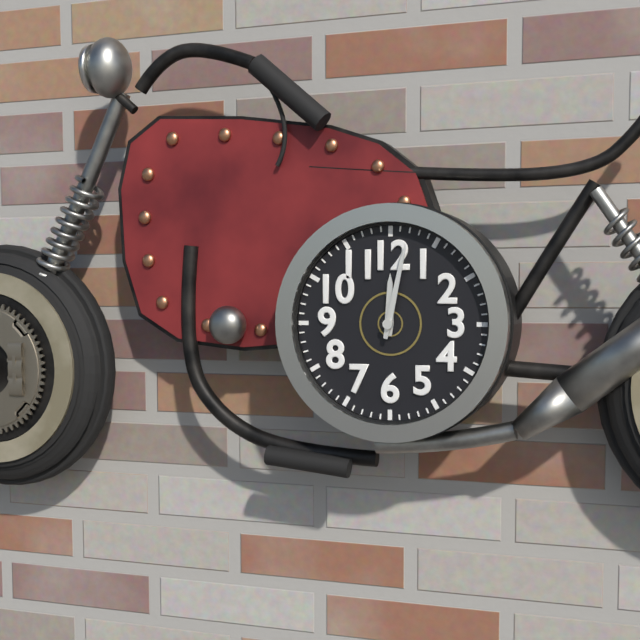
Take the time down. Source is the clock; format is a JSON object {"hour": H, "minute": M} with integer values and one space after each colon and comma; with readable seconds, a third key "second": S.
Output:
{"hour": 12, "minute": 2}
